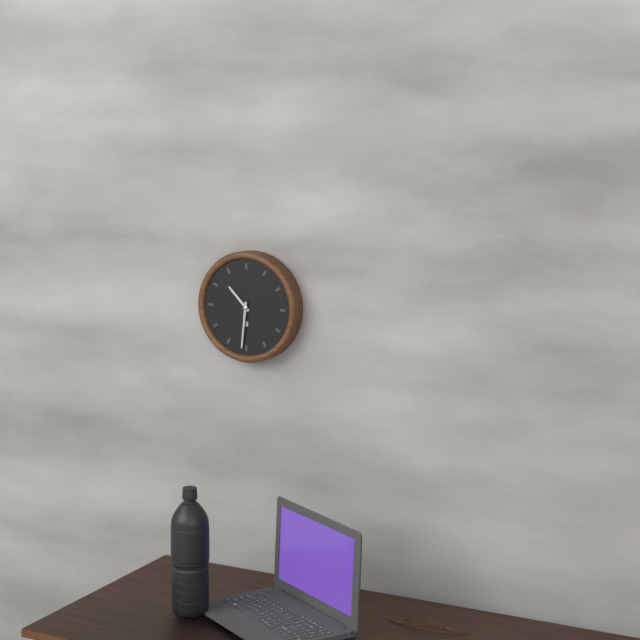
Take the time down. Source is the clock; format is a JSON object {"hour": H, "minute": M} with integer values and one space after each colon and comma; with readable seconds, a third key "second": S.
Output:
{"hour": 10, "minute": 31}
